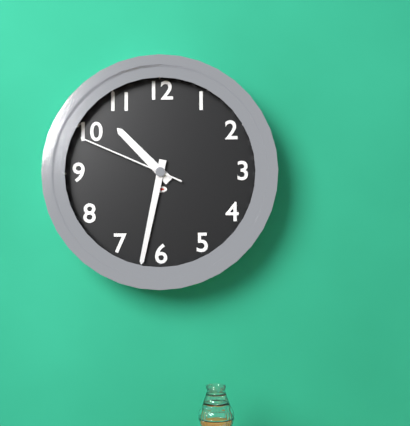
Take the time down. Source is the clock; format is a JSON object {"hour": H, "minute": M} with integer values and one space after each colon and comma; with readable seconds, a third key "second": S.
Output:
{"hour": 10, "minute": 32, "second": 49}
